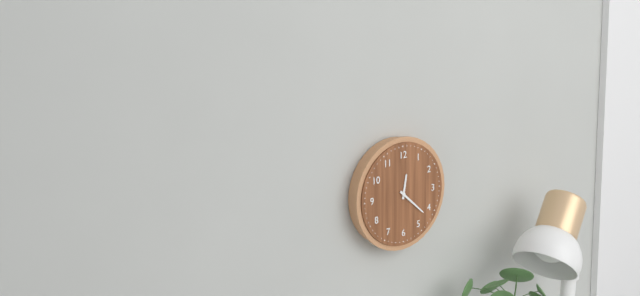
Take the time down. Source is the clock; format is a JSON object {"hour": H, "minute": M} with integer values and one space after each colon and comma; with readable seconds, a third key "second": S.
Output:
{"hour": 12, "minute": 22}
